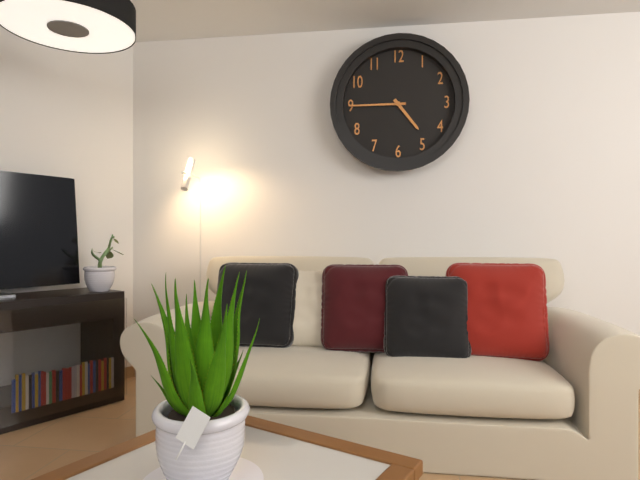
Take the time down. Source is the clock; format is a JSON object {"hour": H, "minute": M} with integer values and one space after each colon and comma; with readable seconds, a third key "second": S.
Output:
{"hour": 4, "minute": 45}
